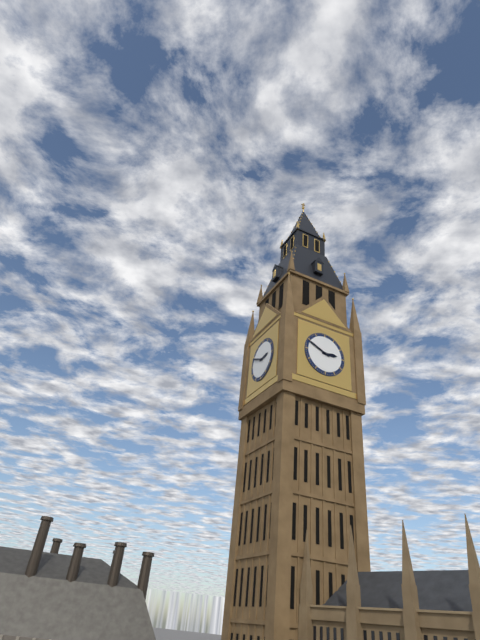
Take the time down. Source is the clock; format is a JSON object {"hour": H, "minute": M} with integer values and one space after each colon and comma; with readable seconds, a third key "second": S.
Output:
{"hour": 2, "minute": 49}
